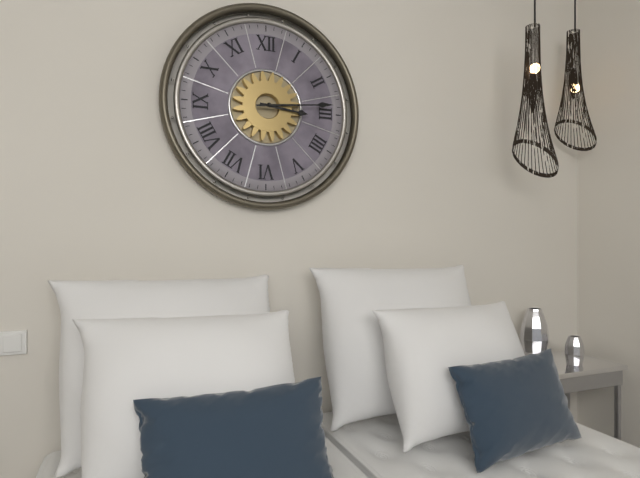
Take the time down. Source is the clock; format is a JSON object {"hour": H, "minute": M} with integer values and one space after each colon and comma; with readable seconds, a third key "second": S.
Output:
{"hour": 3, "minute": 14}
